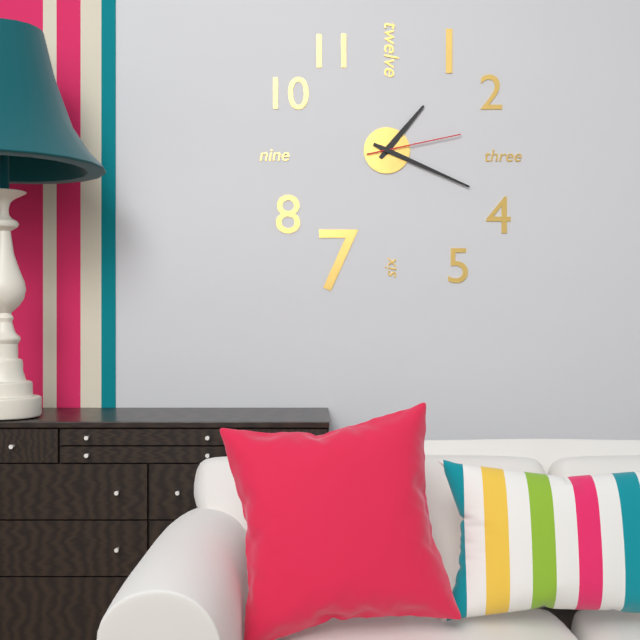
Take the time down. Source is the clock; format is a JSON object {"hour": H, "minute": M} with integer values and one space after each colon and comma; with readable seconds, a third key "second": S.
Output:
{"hour": 1, "minute": 19, "second": 13}
